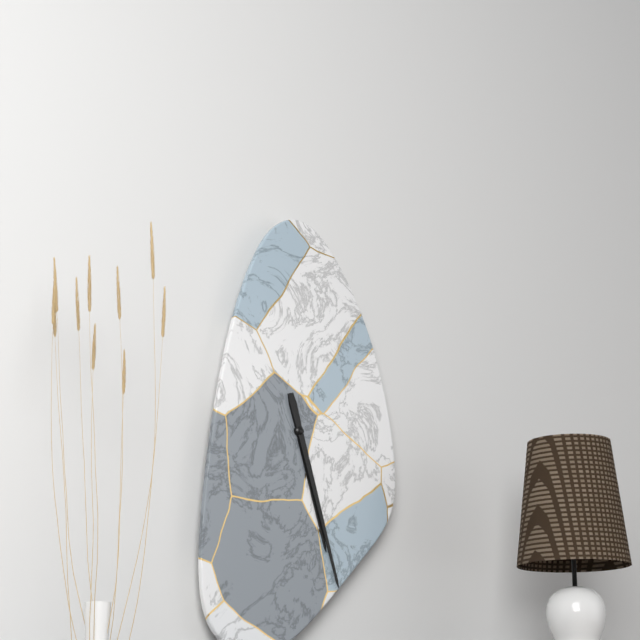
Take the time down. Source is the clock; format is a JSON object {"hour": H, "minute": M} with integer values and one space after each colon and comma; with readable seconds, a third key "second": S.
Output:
{"hour": 5, "minute": 27}
